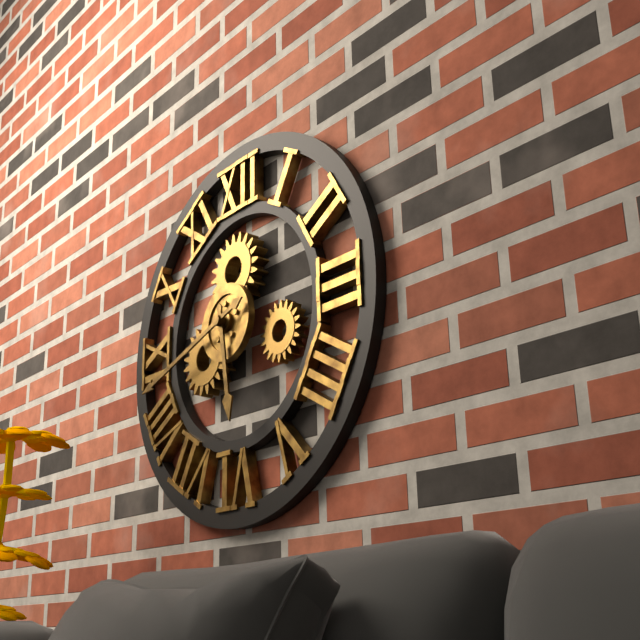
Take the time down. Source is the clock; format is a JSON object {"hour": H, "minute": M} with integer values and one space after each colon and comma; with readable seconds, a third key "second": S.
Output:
{"hour": 5, "minute": 42}
